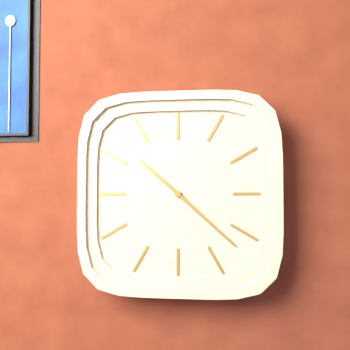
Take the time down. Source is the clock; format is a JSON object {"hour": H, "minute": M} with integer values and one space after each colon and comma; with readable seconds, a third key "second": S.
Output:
{"hour": 10, "minute": 22}
